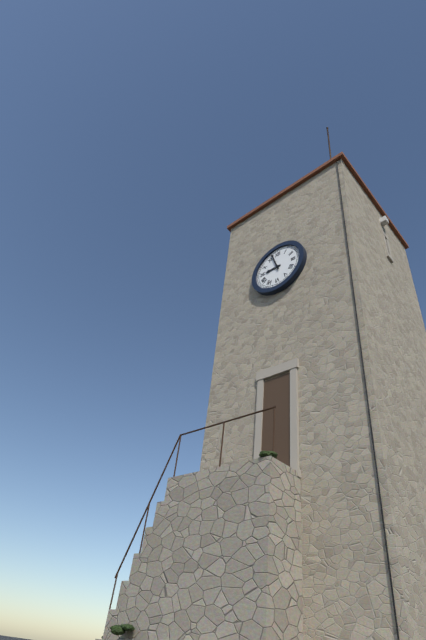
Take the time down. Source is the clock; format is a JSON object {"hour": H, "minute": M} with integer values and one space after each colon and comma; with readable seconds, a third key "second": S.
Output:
{"hour": 8, "minute": 57}
